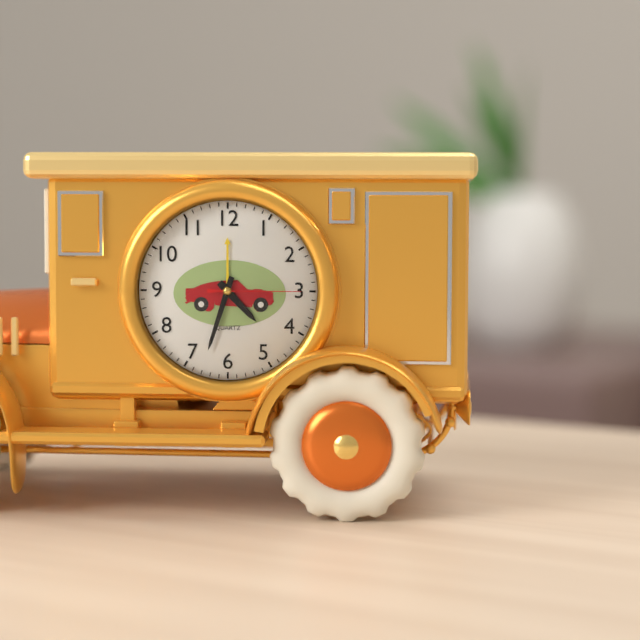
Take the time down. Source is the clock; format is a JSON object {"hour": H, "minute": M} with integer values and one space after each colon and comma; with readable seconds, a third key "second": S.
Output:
{"hour": 4, "minute": 33, "second": 15}
